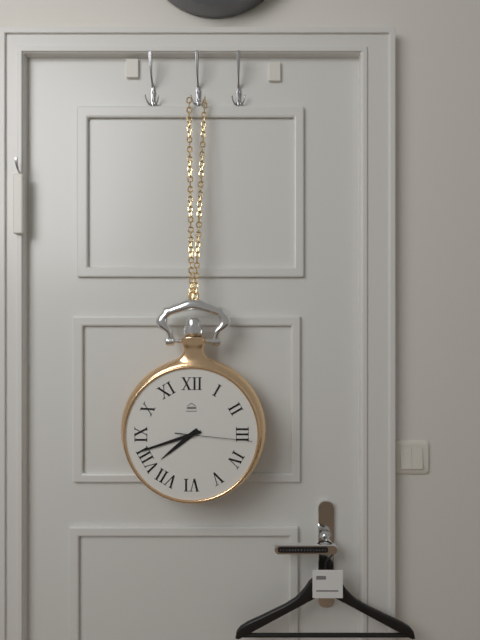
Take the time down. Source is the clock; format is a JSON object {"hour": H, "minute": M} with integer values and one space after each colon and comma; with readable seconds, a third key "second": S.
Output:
{"hour": 7, "minute": 42, "second": 16}
